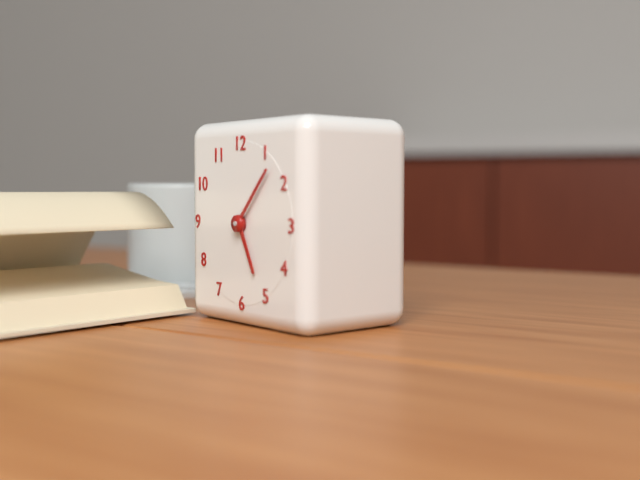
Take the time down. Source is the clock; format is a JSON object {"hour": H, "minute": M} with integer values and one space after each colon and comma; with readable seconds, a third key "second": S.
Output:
{"hour": 5, "minute": 7}
